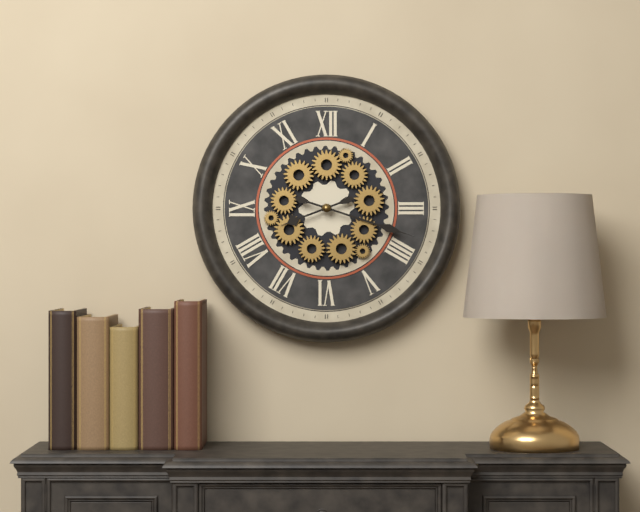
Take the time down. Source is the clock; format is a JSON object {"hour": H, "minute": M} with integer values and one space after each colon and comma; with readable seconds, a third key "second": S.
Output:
{"hour": 8, "minute": 18}
